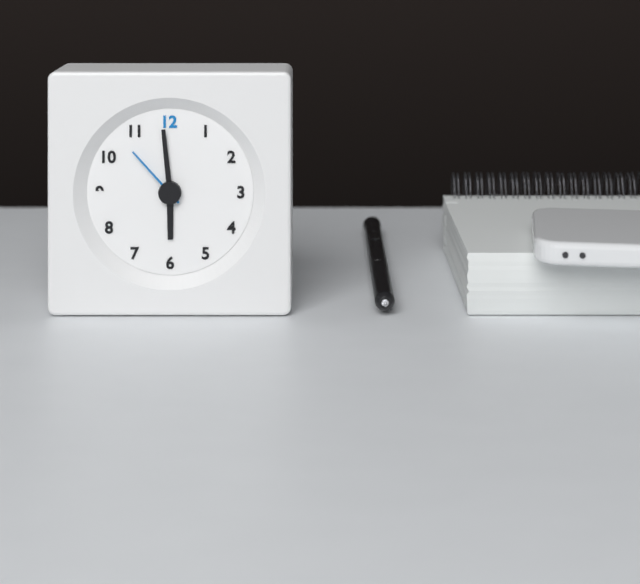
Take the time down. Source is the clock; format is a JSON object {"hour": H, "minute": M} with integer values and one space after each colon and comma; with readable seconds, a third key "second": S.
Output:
{"hour": 5, "minute": 59, "second": 53}
